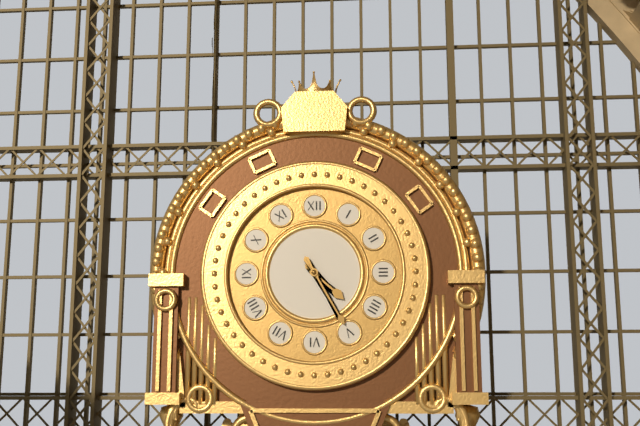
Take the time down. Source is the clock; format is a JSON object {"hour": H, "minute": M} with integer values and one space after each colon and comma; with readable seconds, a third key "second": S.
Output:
{"hour": 4, "minute": 25}
